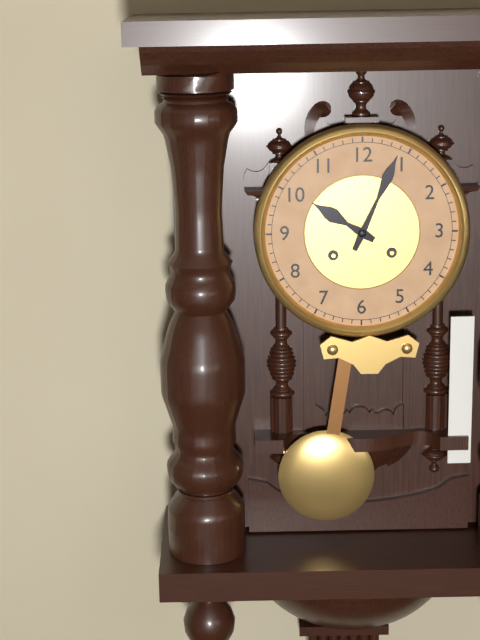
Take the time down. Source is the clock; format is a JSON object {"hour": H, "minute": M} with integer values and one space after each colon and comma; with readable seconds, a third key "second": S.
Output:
{"hour": 10, "minute": 4}
